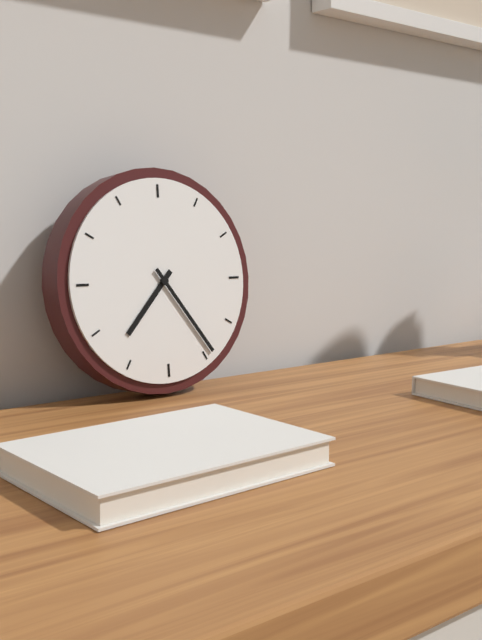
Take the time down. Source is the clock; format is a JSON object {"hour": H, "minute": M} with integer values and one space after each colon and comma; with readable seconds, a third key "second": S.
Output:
{"hour": 7, "minute": 24}
